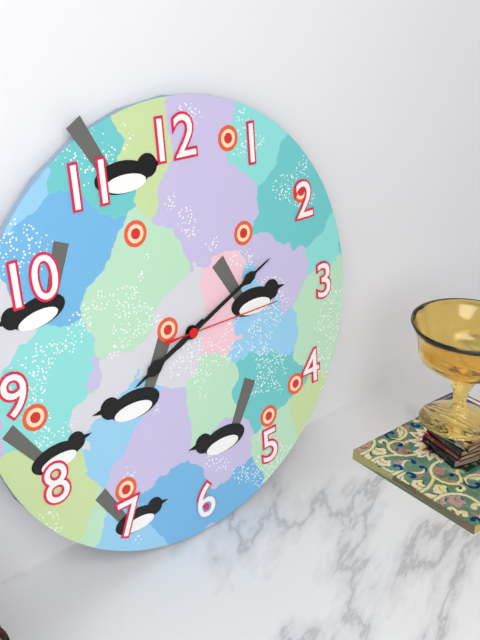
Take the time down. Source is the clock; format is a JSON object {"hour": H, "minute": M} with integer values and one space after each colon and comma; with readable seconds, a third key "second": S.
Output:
{"hour": 8, "minute": 11, "second": 15}
